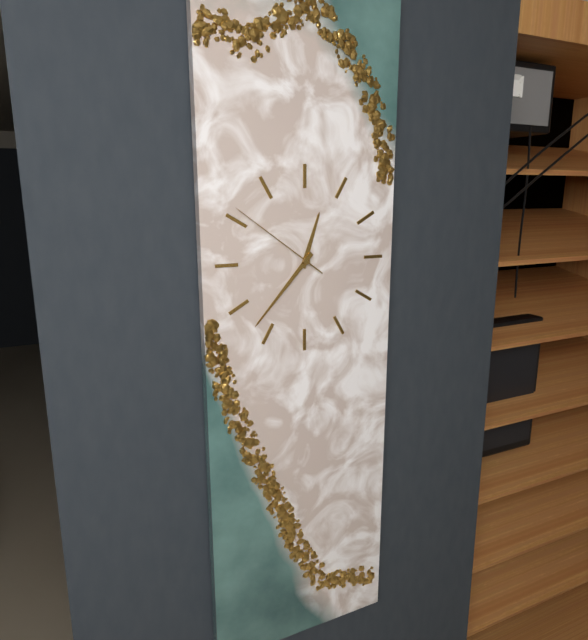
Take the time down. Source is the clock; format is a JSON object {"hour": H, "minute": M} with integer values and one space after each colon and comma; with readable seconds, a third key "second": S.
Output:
{"hour": 12, "minute": 37, "second": 51}
